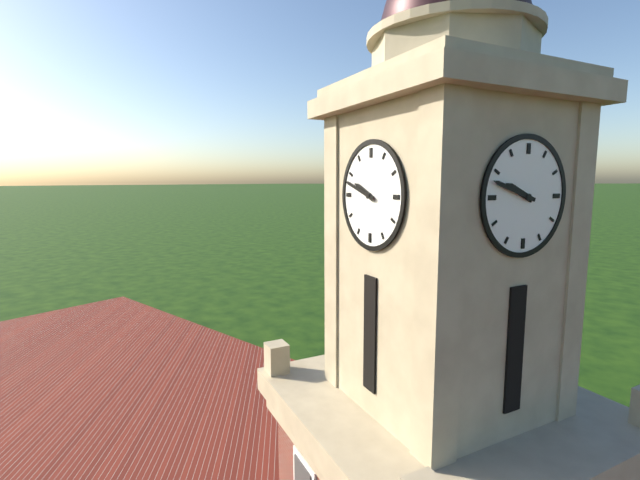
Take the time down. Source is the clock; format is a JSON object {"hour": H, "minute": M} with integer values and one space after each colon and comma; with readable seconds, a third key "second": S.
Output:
{"hour": 9, "minute": 48}
